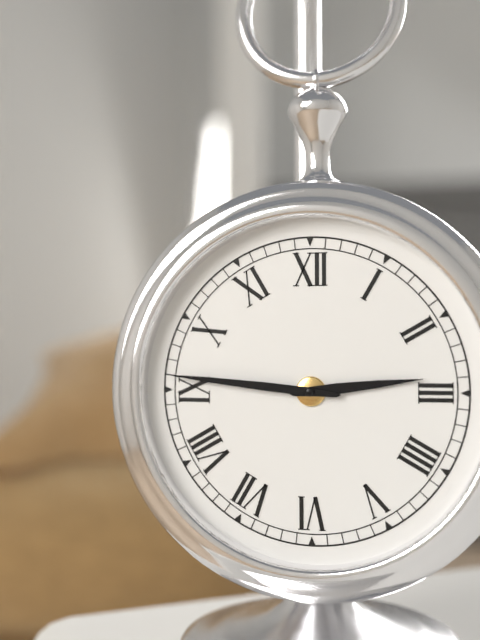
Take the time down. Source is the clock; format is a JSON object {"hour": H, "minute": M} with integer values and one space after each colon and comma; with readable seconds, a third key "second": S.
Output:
{"hour": 2, "minute": 46}
